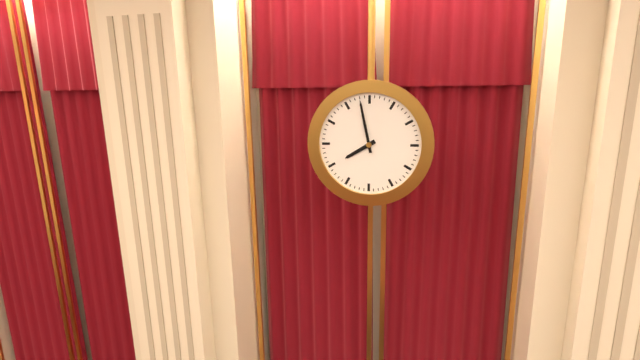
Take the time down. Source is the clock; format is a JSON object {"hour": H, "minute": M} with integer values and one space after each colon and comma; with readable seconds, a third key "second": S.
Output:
{"hour": 7, "minute": 58}
